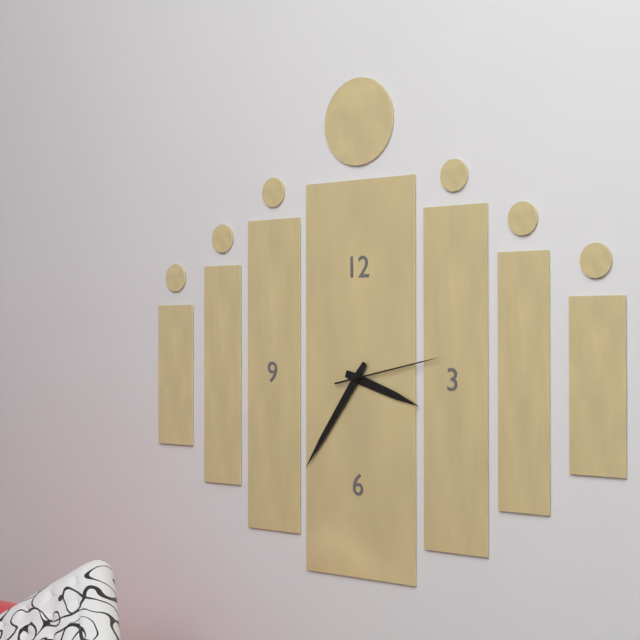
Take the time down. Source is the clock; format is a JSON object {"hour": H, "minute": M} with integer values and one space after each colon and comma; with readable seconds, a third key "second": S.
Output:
{"hour": 3, "minute": 36, "second": 13}
